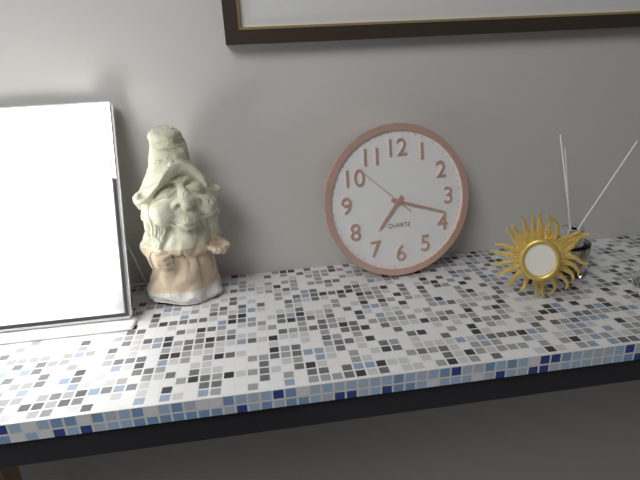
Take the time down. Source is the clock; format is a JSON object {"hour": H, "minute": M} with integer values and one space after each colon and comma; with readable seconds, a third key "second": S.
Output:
{"hour": 7, "minute": 18, "second": 52}
